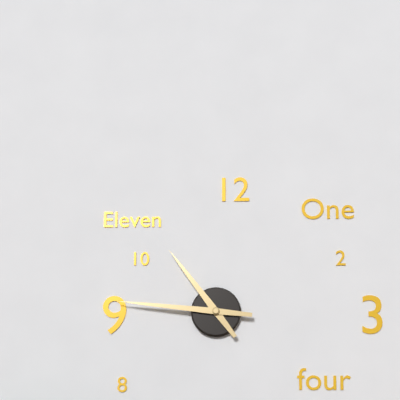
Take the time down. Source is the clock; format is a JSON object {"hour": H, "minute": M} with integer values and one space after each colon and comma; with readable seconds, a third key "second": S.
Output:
{"hour": 10, "minute": 46}
